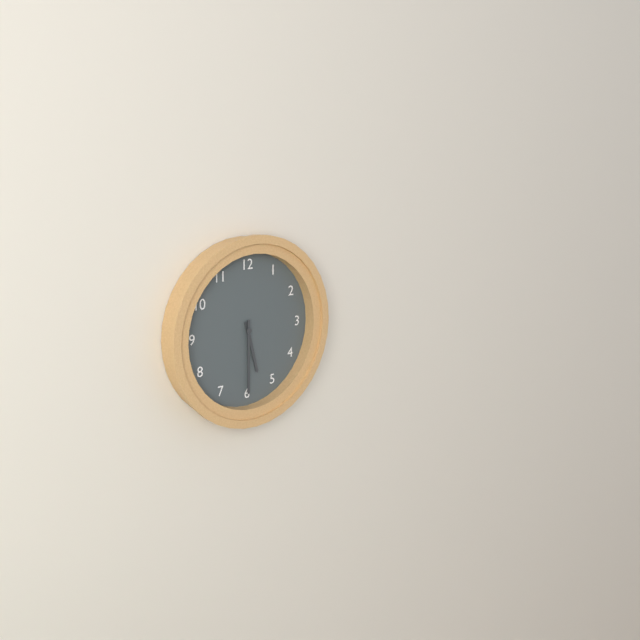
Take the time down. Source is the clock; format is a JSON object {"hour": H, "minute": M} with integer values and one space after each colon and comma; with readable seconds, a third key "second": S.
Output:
{"hour": 5, "minute": 30}
